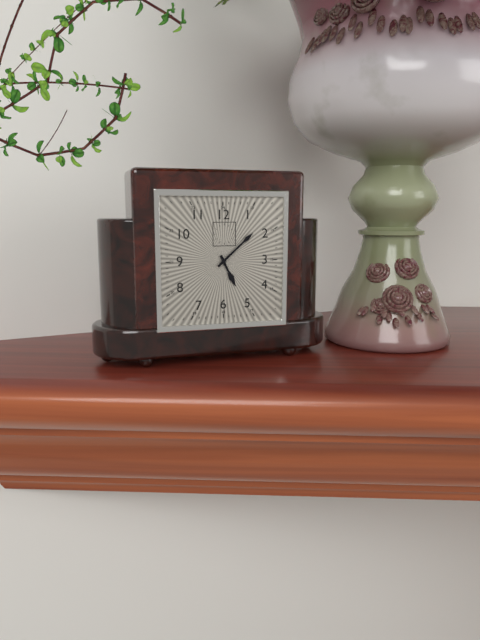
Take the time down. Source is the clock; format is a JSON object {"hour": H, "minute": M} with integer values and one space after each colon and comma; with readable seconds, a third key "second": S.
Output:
{"hour": 5, "minute": 8}
